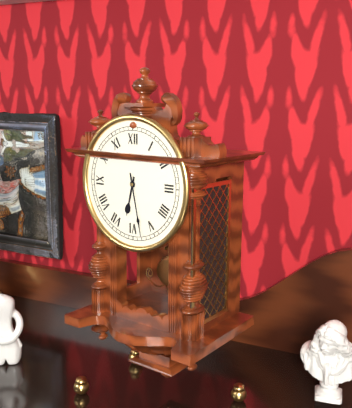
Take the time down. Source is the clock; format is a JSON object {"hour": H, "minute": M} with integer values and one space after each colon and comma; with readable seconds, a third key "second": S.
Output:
{"hour": 6, "minute": 28}
